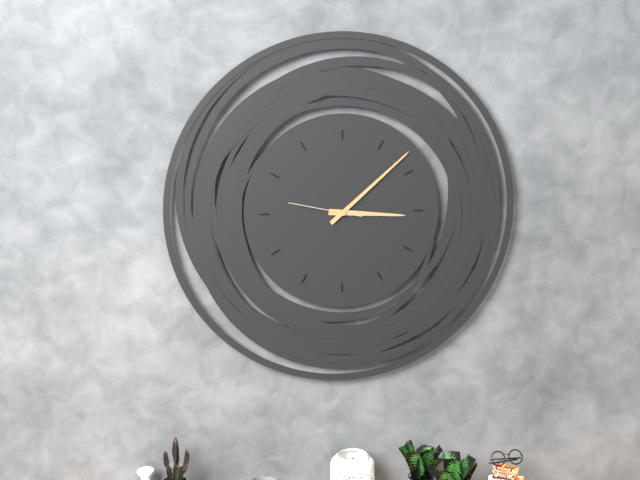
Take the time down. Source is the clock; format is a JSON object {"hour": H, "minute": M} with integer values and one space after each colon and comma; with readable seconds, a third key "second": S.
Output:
{"hour": 3, "minute": 8, "second": 47}
